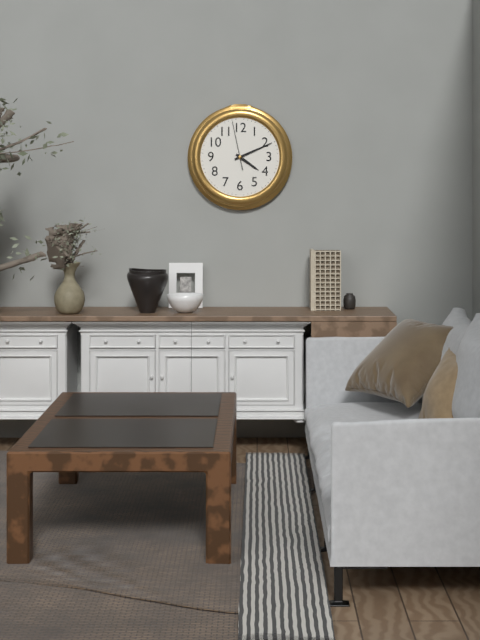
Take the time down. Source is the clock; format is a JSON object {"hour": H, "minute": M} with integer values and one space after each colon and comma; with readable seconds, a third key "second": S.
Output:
{"hour": 4, "minute": 11}
